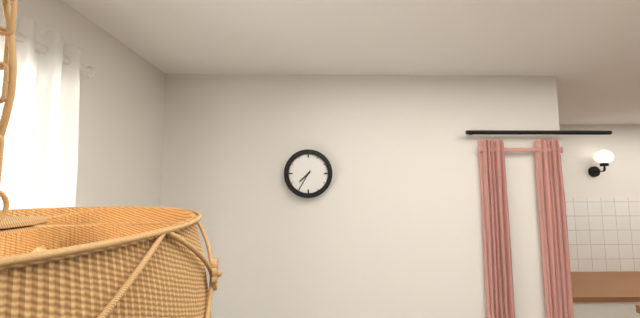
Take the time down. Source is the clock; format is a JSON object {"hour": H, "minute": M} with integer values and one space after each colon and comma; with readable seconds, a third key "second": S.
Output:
{"hour": 7, "minute": 35}
